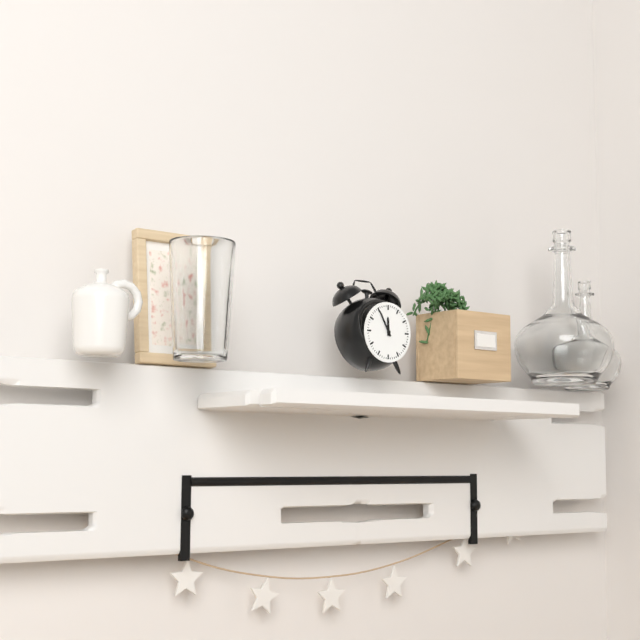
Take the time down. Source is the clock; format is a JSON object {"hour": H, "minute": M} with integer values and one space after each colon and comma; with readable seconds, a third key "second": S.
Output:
{"hour": 11, "minute": 55}
